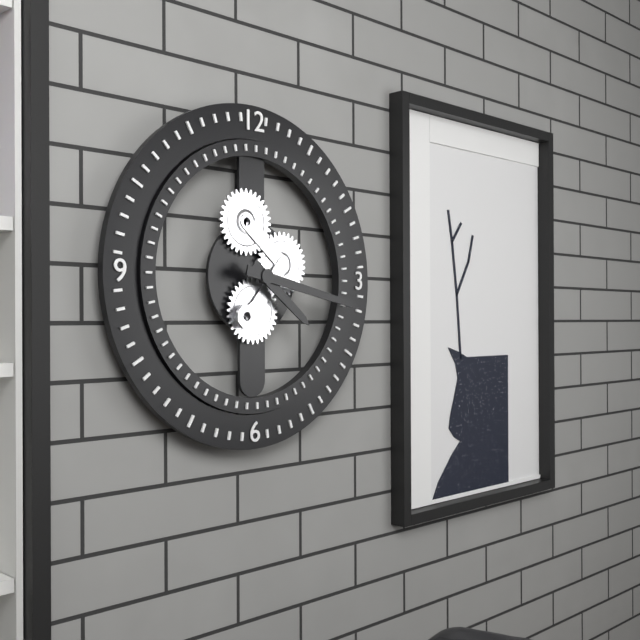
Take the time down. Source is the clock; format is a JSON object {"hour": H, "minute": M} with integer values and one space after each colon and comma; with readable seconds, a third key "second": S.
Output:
{"hour": 4, "minute": 17}
